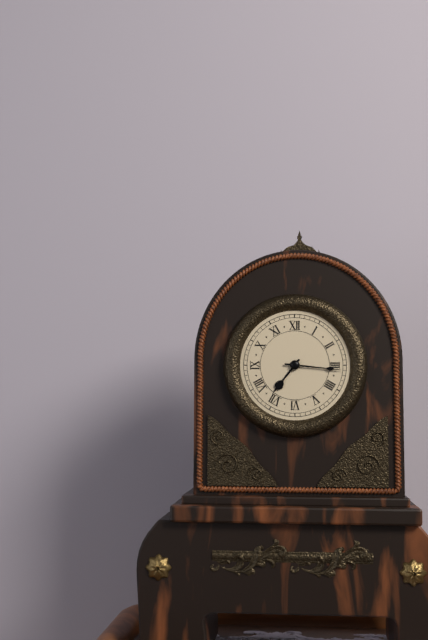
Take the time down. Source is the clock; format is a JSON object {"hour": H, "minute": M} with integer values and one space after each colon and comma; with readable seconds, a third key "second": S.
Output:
{"hour": 7, "minute": 16}
